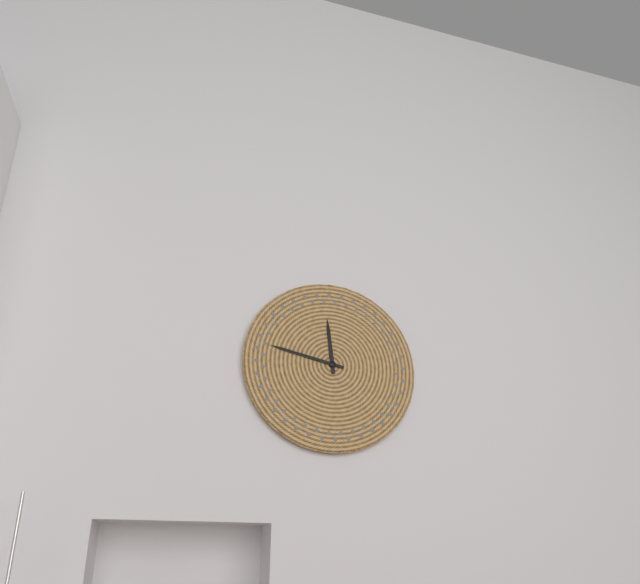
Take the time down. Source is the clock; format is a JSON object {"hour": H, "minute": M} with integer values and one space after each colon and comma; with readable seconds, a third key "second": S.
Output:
{"hour": 11, "minute": 47}
